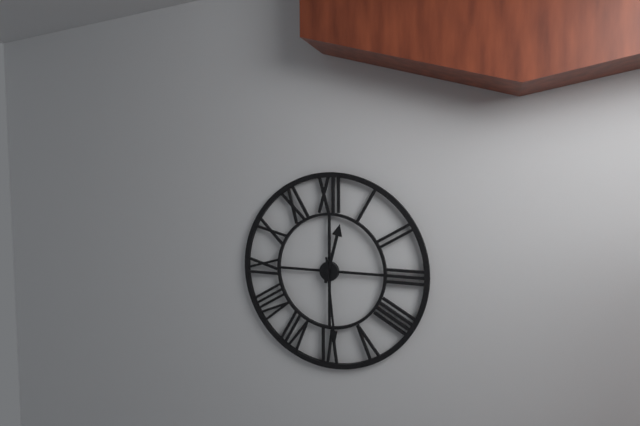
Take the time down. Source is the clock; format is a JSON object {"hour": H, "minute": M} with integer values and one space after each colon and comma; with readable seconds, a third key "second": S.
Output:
{"hour": 12, "minute": 29}
